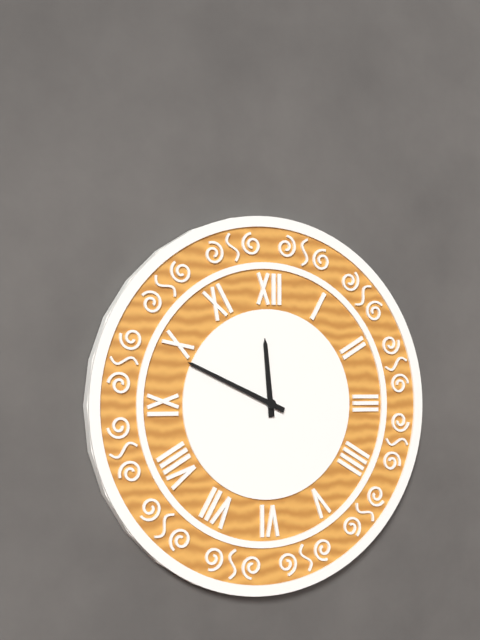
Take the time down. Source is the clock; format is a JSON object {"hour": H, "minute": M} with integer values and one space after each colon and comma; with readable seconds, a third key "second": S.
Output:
{"hour": 11, "minute": 49}
